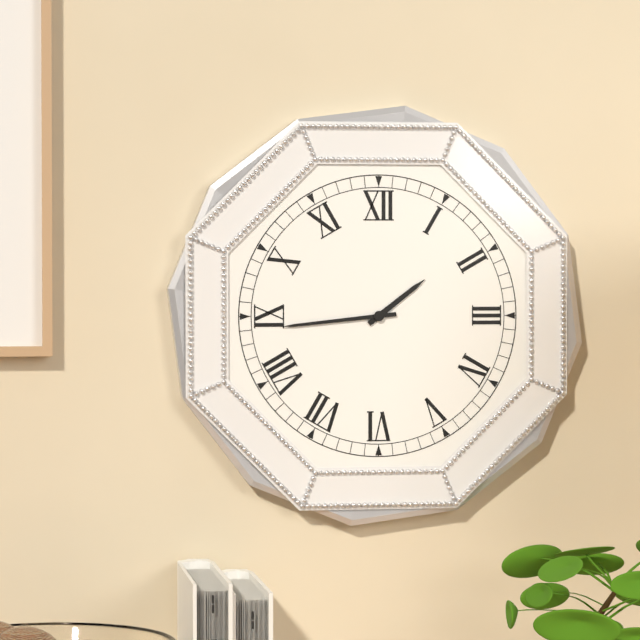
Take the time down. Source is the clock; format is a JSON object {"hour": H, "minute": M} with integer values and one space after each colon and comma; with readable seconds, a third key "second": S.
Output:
{"hour": 1, "minute": 44}
